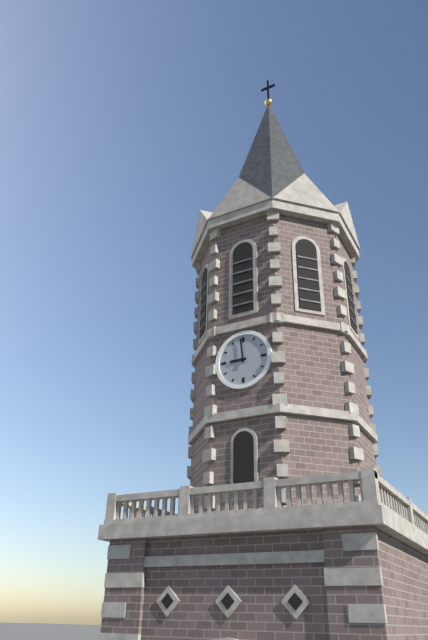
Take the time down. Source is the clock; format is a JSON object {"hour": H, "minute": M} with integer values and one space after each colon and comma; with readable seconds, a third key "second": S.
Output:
{"hour": 8, "minute": 59}
